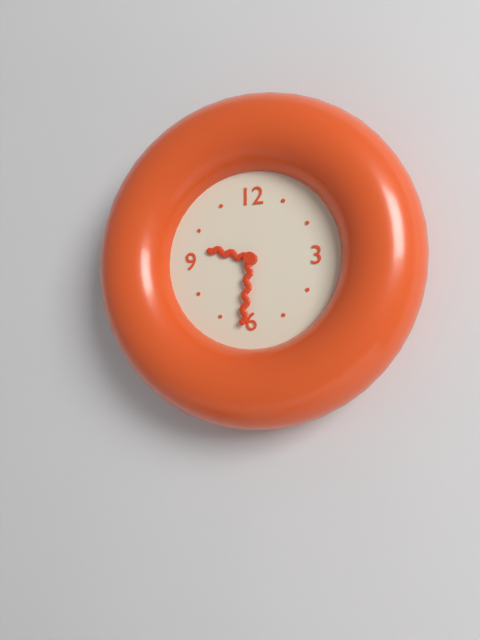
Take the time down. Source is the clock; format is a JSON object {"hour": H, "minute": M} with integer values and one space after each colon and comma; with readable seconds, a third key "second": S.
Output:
{"hour": 9, "minute": 31}
